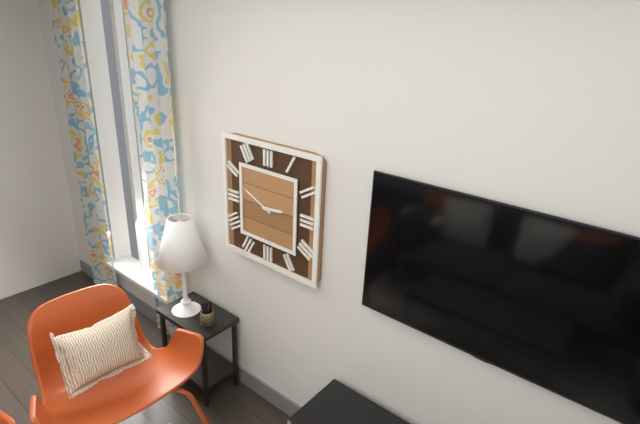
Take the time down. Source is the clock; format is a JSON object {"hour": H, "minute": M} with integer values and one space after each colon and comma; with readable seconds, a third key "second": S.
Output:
{"hour": 2, "minute": 49}
